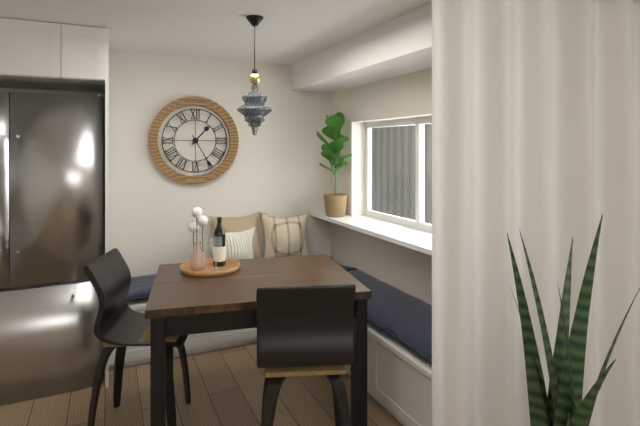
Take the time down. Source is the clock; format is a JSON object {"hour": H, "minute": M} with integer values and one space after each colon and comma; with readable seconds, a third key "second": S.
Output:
{"hour": 1, "minute": 25}
